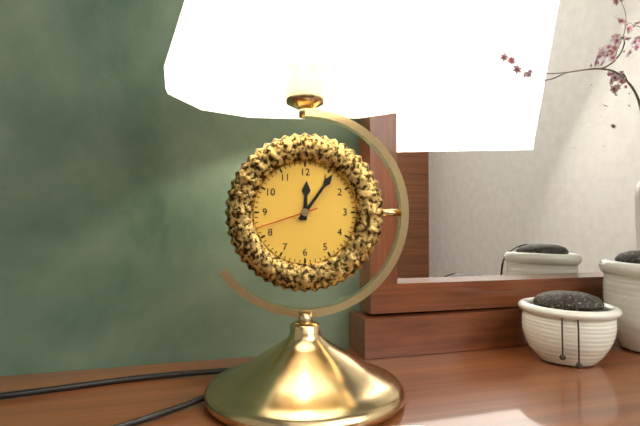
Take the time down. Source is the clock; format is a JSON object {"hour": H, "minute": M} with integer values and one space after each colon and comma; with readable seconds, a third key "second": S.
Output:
{"hour": 12, "minute": 6, "second": 42}
